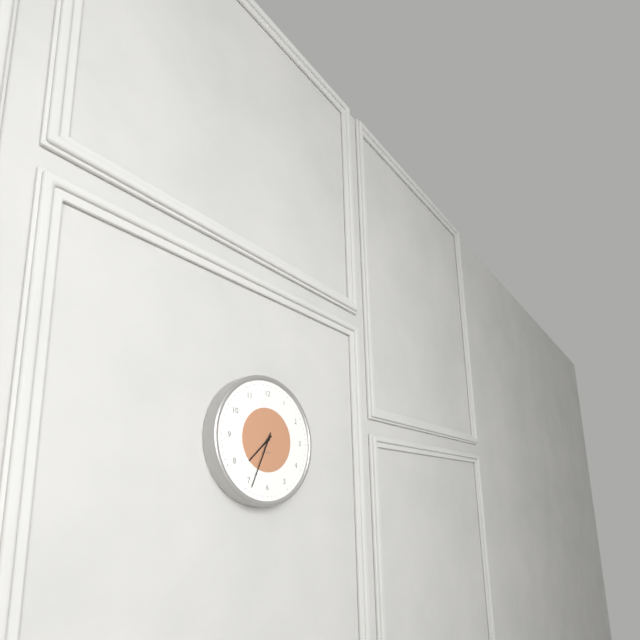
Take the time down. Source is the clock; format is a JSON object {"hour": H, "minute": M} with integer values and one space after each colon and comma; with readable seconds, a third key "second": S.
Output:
{"hour": 7, "minute": 34}
